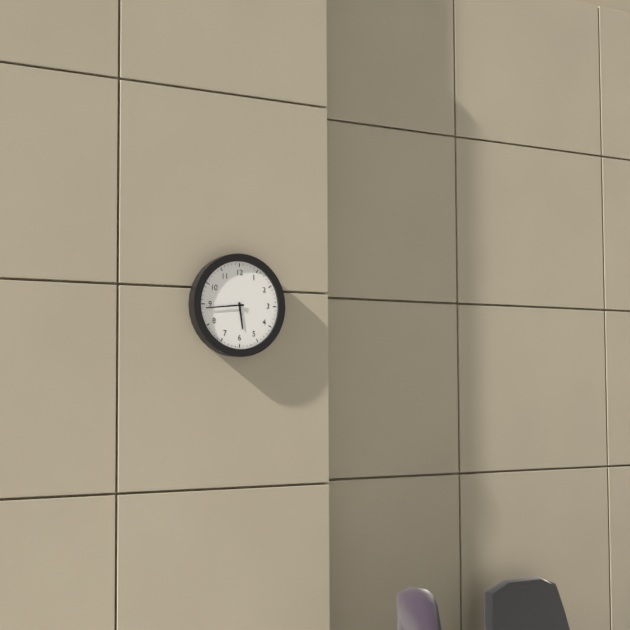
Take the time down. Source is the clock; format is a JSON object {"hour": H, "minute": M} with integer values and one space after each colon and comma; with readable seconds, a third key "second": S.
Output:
{"hour": 5, "minute": 44}
